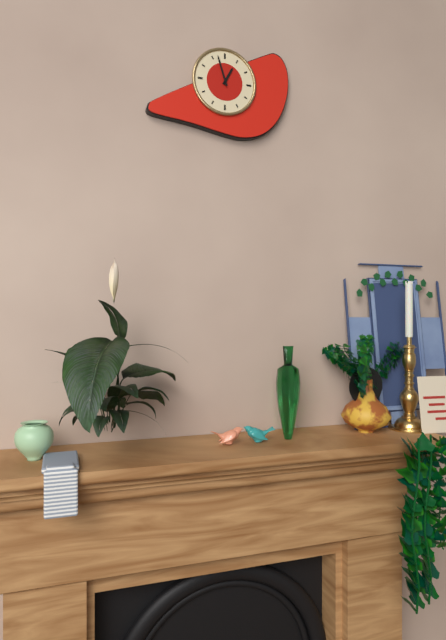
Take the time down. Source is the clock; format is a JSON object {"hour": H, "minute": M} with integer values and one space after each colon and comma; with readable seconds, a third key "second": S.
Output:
{"hour": 12, "minute": 57}
